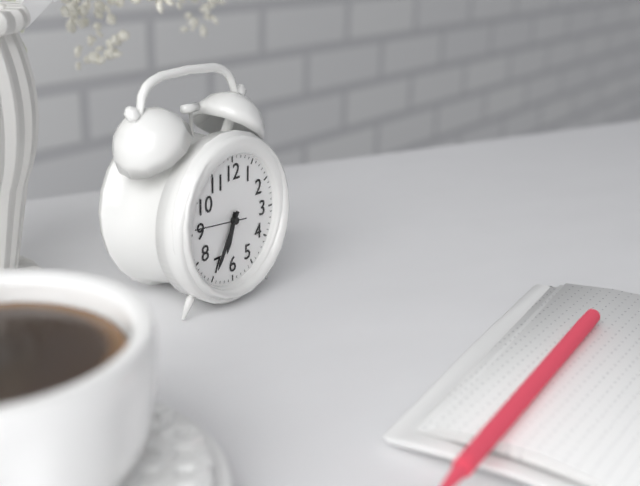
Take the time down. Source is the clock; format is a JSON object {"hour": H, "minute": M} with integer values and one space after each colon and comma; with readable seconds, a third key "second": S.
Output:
{"hour": 6, "minute": 35}
